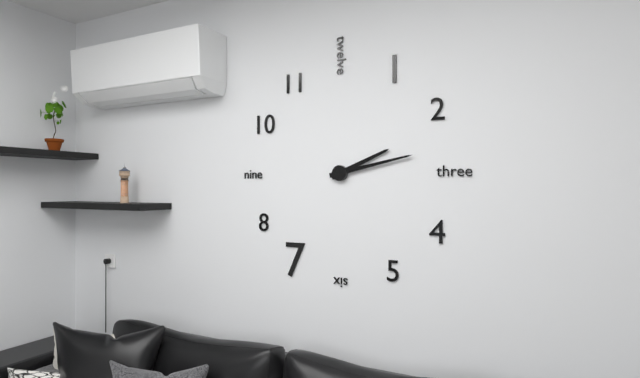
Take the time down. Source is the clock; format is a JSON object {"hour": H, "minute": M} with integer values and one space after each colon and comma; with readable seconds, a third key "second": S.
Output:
{"hour": 2, "minute": 13}
